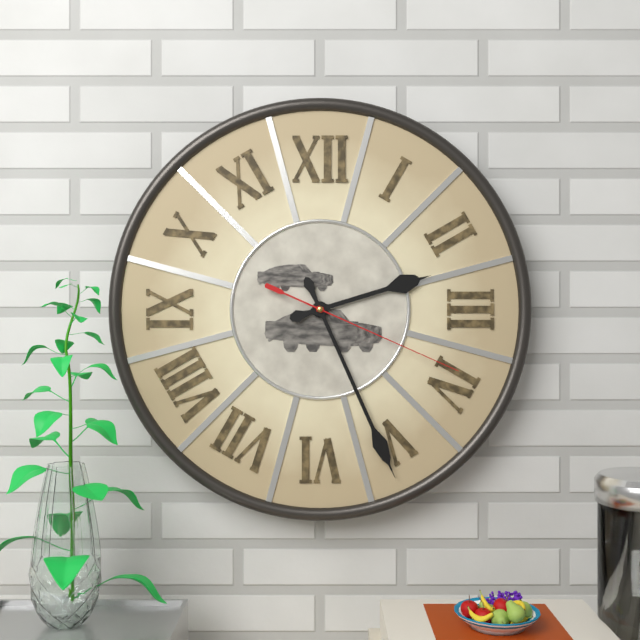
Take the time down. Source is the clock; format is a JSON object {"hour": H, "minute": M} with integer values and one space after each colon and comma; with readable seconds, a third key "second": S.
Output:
{"hour": 2, "minute": 26, "second": 19}
